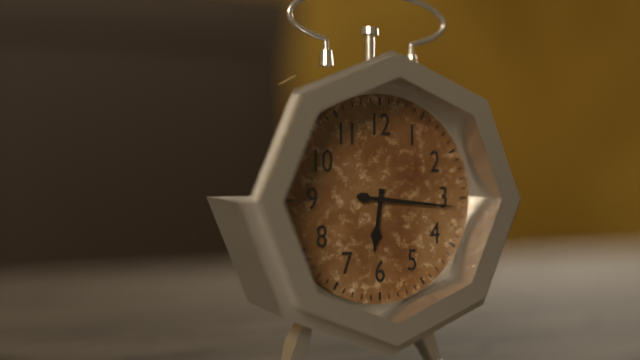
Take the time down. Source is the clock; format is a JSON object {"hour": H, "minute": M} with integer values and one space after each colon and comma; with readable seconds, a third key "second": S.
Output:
{"hour": 6, "minute": 16}
